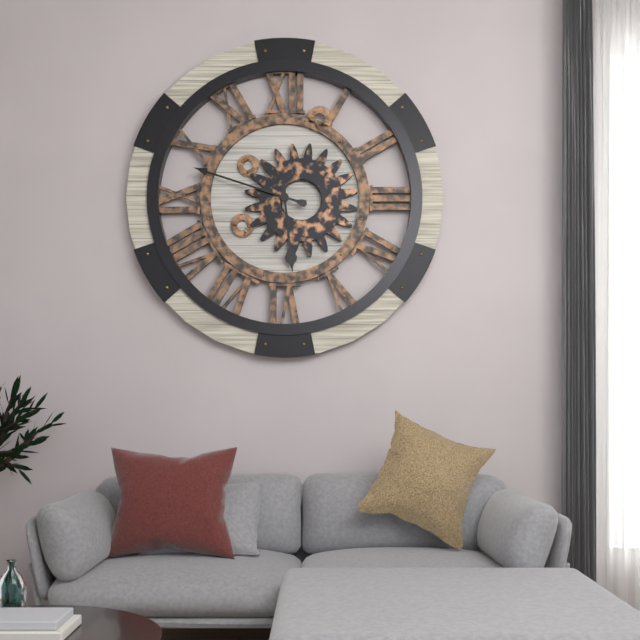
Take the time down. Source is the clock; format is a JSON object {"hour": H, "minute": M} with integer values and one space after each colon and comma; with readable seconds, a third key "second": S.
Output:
{"hour": 5, "minute": 48}
